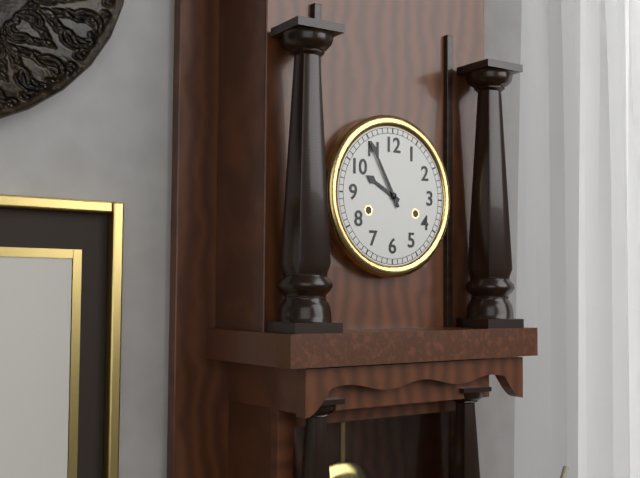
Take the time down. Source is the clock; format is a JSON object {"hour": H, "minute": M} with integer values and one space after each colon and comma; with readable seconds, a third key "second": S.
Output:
{"hour": 9, "minute": 55}
